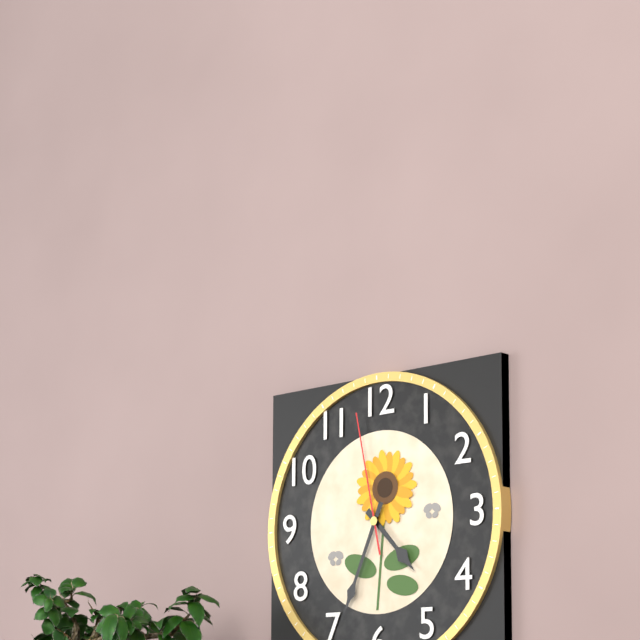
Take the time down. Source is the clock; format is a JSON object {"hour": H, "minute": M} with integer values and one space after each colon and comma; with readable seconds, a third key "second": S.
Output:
{"hour": 4, "minute": 34, "second": 58}
